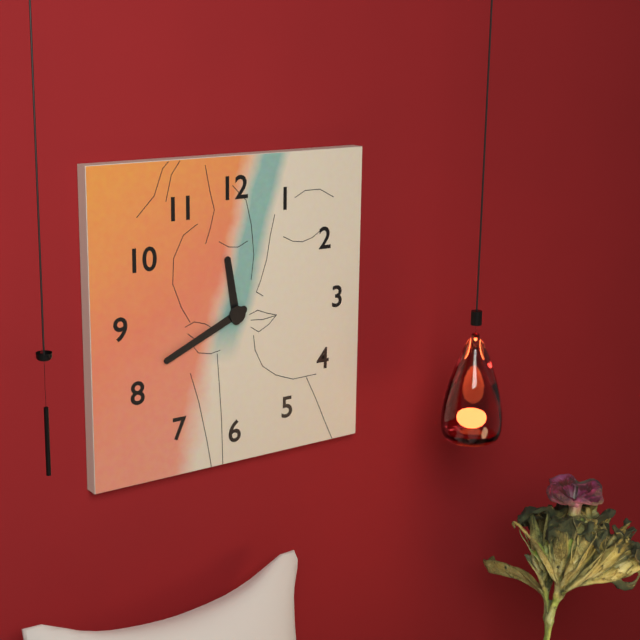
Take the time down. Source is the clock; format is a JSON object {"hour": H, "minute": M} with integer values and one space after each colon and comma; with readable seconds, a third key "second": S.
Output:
{"hour": 11, "minute": 41}
